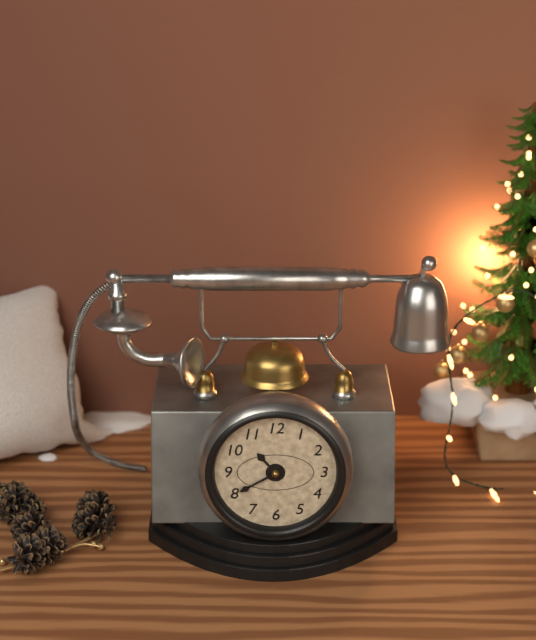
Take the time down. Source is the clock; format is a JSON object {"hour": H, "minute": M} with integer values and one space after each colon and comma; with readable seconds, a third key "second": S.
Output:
{"hour": 10, "minute": 40}
